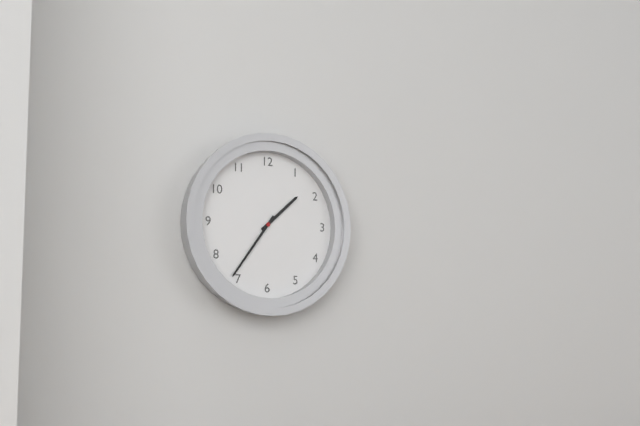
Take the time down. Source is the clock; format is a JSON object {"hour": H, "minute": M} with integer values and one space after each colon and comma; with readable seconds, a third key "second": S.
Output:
{"hour": 1, "minute": 36}
